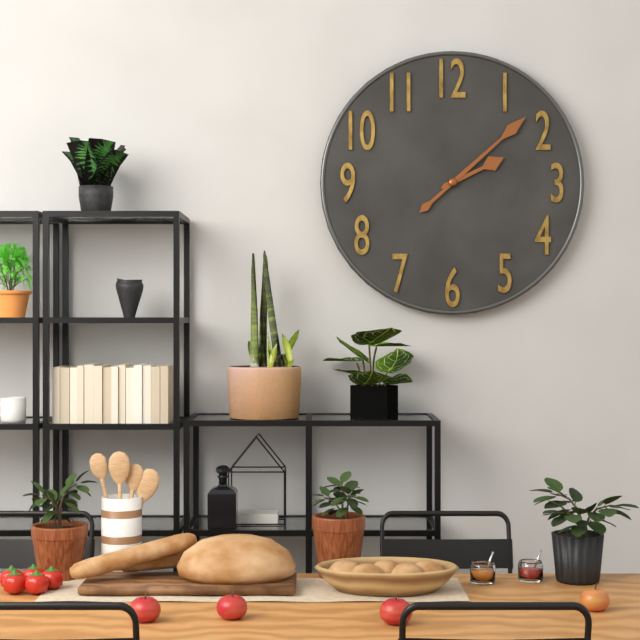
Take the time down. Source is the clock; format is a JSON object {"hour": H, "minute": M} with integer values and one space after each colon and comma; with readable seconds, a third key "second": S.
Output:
{"hour": 2, "minute": 8}
